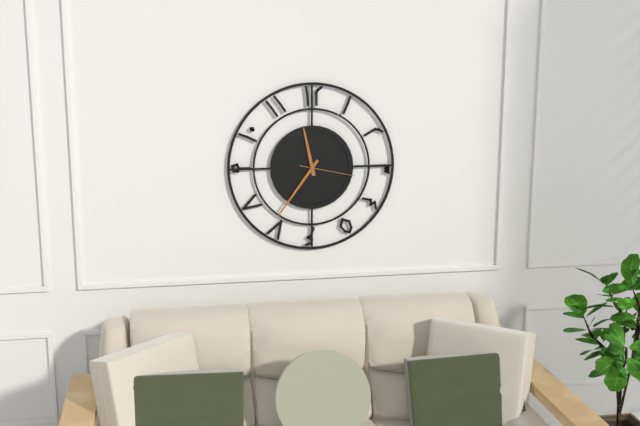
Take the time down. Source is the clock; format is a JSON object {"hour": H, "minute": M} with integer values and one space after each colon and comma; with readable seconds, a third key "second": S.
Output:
{"hour": 11, "minute": 36, "second": 17}
